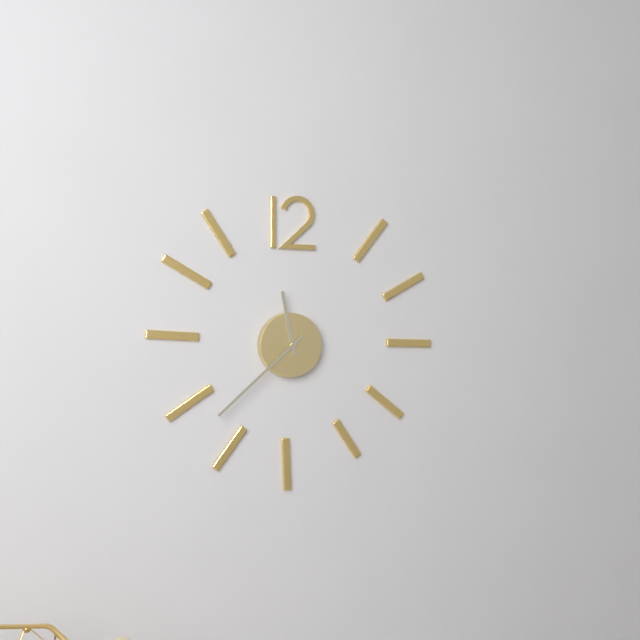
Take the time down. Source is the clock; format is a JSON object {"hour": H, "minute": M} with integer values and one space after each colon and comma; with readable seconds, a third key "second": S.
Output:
{"hour": 11, "minute": 38}
